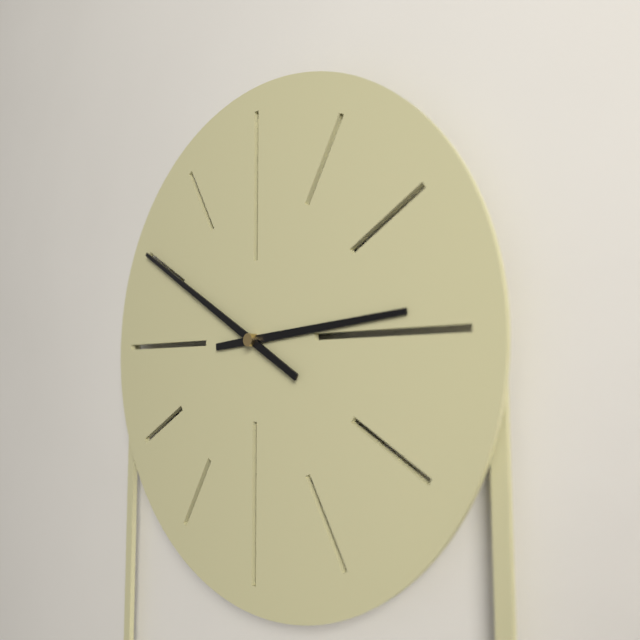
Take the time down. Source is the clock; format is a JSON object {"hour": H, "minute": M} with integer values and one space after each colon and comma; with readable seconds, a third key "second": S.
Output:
{"hour": 2, "minute": 50}
